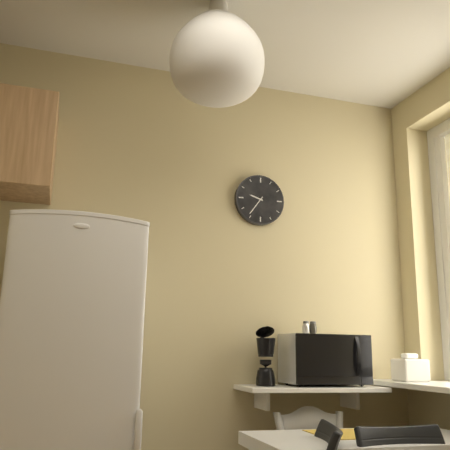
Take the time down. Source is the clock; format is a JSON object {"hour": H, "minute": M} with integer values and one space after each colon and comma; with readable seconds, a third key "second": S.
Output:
{"hour": 9, "minute": 36}
